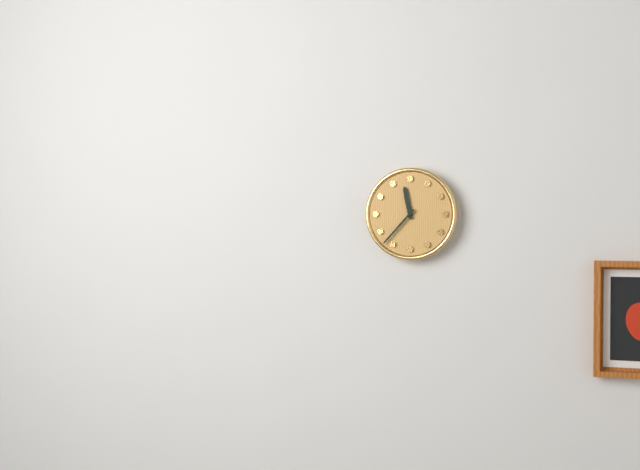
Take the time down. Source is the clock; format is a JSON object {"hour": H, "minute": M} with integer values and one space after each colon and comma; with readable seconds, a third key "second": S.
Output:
{"hour": 11, "minute": 37}
